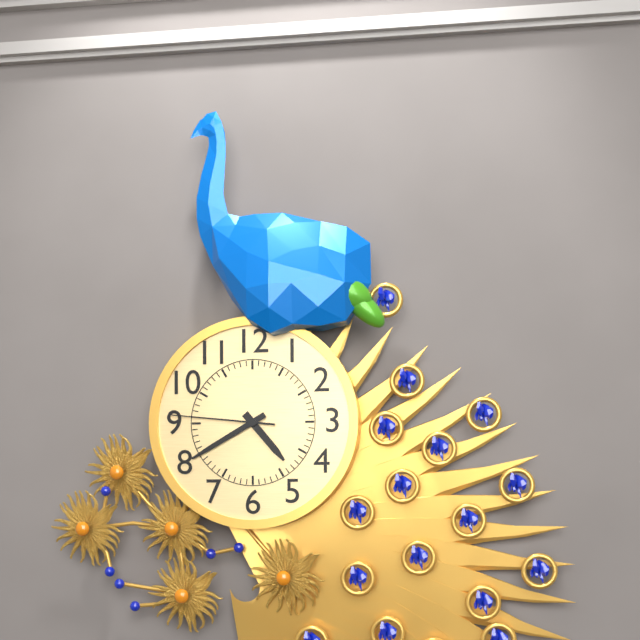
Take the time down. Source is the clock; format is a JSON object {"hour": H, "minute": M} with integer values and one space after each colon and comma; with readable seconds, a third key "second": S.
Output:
{"hour": 4, "minute": 40, "second": 46}
